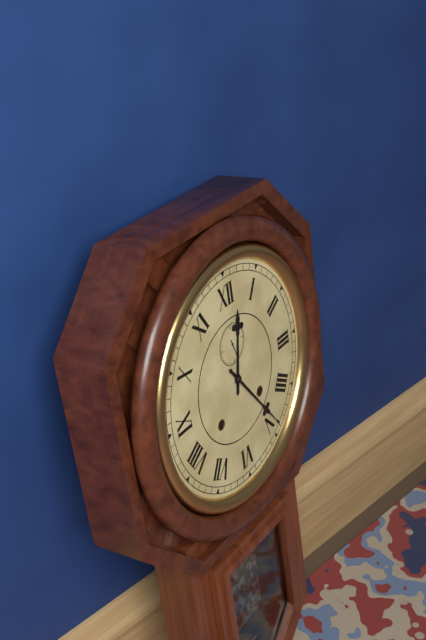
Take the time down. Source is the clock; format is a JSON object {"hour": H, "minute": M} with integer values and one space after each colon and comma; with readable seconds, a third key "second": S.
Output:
{"hour": 12, "minute": 24}
